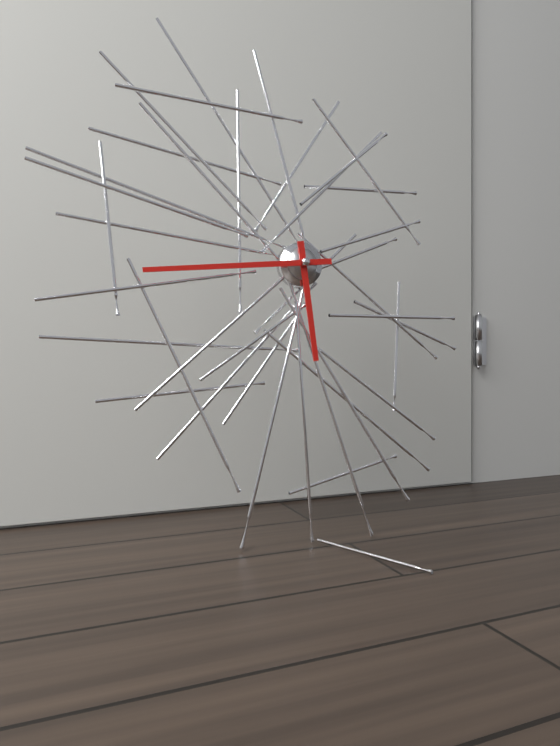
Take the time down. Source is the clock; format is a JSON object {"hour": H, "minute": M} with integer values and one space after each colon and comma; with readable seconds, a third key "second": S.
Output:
{"hour": 5, "minute": 44}
